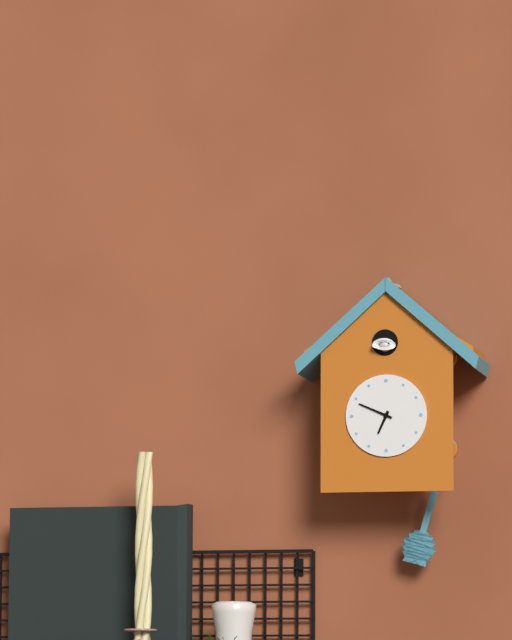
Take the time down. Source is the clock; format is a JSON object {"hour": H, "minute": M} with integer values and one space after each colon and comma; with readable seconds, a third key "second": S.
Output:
{"hour": 6, "minute": 49}
